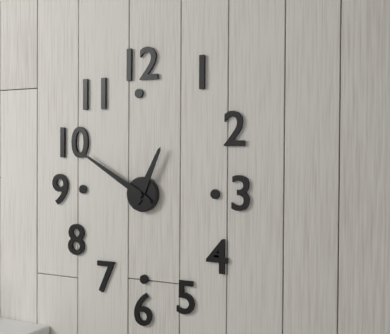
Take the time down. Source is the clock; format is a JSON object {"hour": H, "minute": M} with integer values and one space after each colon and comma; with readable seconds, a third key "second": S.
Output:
{"hour": 12, "minute": 50}
